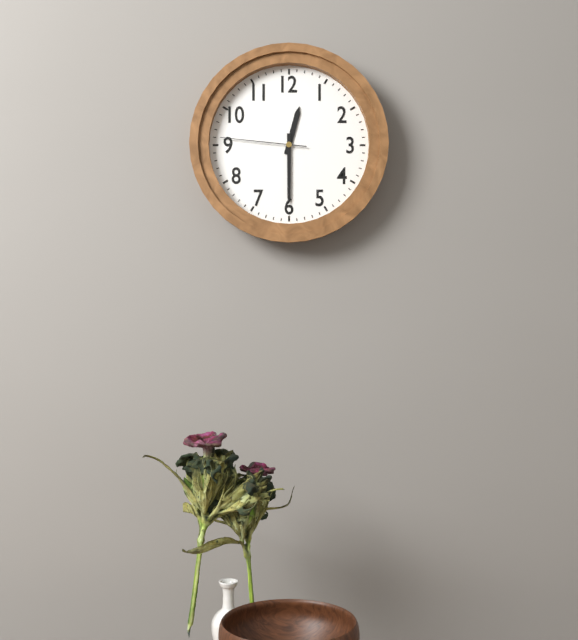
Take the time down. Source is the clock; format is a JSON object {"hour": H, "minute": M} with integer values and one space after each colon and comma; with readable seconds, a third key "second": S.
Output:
{"hour": 12, "minute": 30, "second": 46}
